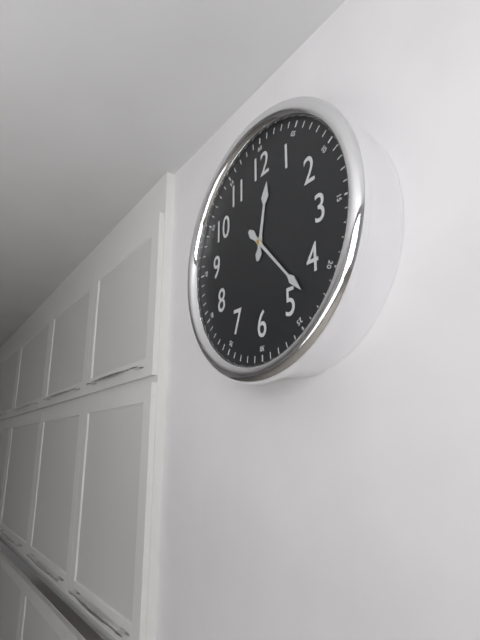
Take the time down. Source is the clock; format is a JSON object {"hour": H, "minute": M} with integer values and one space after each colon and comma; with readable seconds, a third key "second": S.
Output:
{"hour": 12, "minute": 23}
